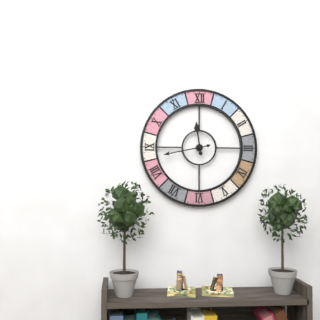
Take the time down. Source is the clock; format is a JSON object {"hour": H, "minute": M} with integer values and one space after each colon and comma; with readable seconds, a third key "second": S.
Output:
{"hour": 11, "minute": 43}
